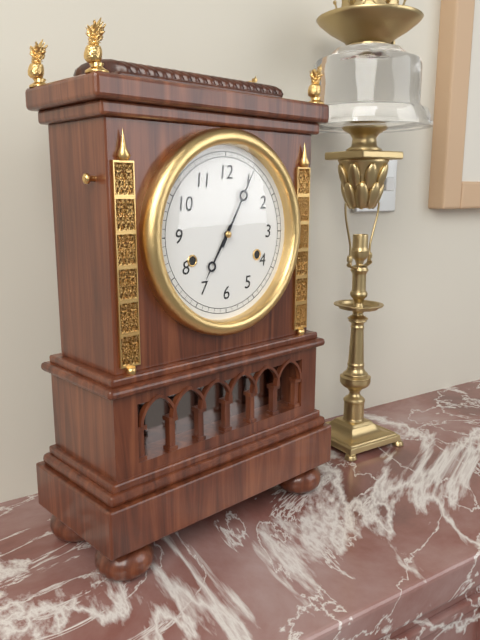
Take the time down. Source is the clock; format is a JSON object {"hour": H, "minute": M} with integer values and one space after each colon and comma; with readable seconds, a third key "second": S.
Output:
{"hour": 7, "minute": 5}
